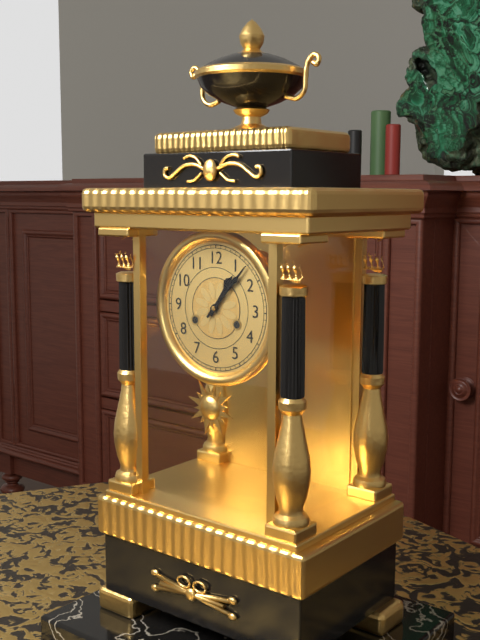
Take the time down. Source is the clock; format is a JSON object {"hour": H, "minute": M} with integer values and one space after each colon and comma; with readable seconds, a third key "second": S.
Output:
{"hour": 1, "minute": 7}
